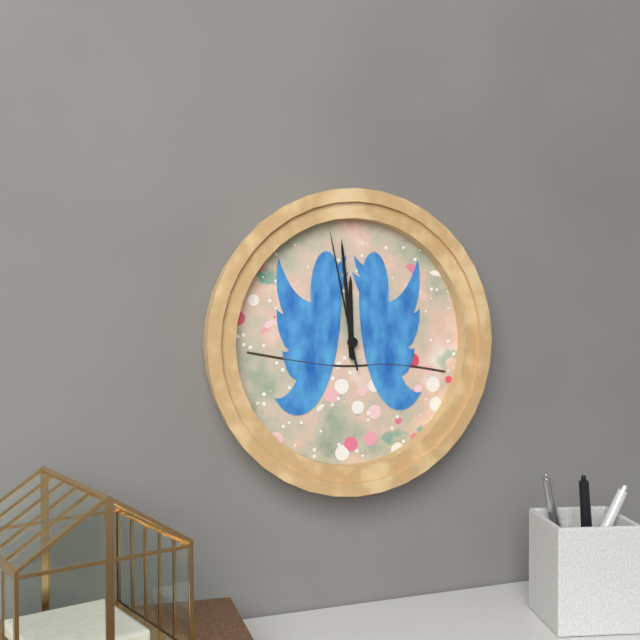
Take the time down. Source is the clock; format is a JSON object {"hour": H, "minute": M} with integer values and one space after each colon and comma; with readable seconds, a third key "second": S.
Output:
{"hour": 11, "minute": 59, "second": 58}
